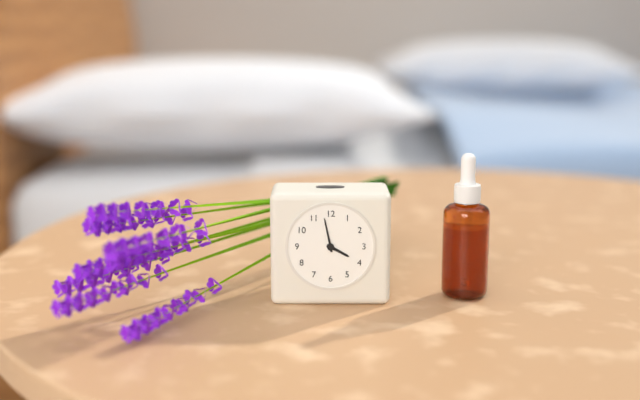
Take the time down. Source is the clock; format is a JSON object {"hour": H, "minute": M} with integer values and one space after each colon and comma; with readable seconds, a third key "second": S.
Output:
{"hour": 3, "minute": 58}
